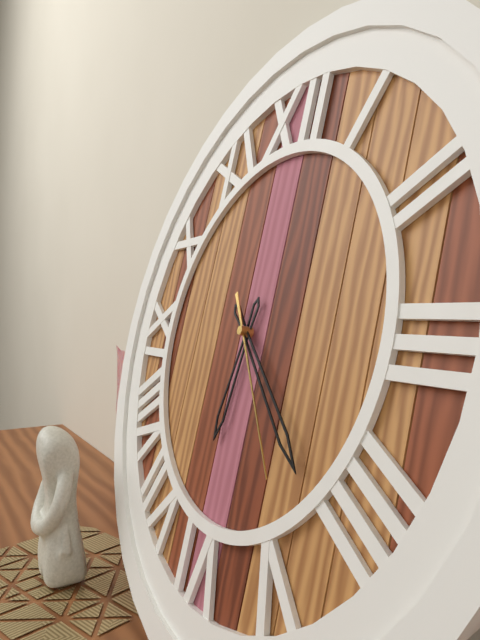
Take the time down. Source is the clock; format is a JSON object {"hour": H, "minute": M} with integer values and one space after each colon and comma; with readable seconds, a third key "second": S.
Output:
{"hour": 6, "minute": 22, "second": 24}
